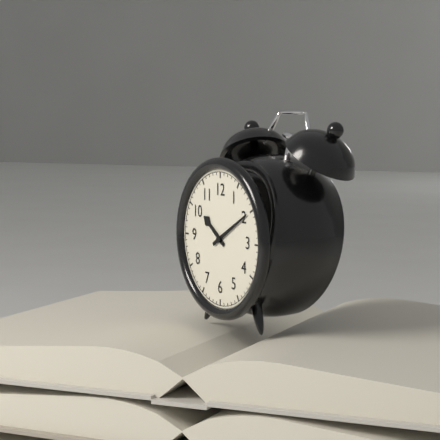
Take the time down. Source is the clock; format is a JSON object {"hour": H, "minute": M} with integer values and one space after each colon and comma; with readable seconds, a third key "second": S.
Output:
{"hour": 10, "minute": 10}
